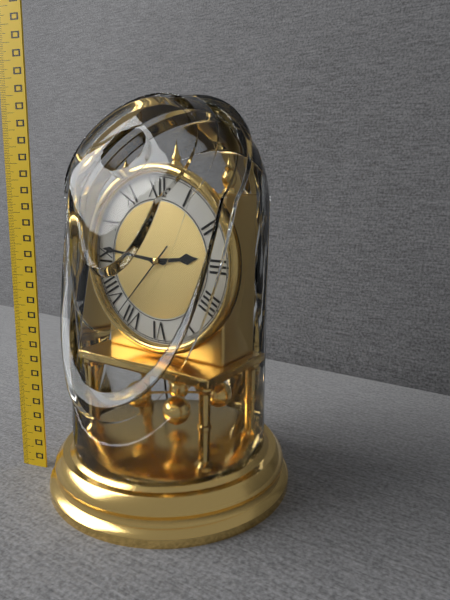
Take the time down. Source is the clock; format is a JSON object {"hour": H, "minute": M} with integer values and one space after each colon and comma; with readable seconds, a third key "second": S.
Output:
{"hour": 2, "minute": 46, "second": 37}
